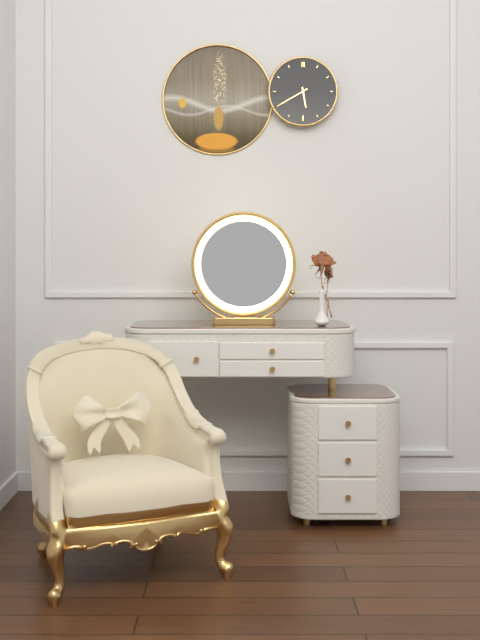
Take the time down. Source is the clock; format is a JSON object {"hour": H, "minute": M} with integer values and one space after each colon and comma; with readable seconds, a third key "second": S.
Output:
{"hour": 5, "minute": 40}
